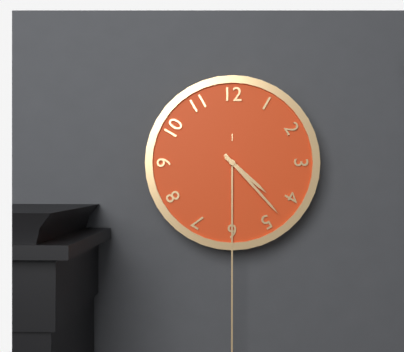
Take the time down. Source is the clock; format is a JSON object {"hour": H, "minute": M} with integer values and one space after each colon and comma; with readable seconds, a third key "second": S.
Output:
{"hour": 4, "minute": 23}
